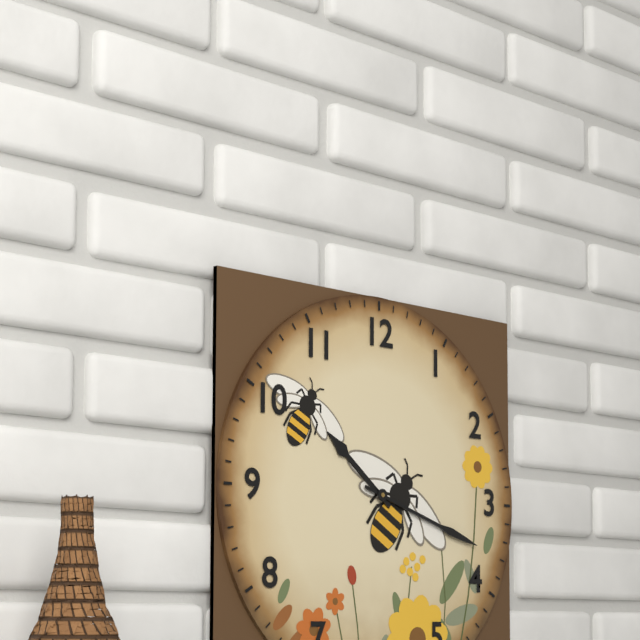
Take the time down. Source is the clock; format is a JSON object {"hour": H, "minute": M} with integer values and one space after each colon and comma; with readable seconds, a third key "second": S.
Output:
{"hour": 10, "minute": 18}
